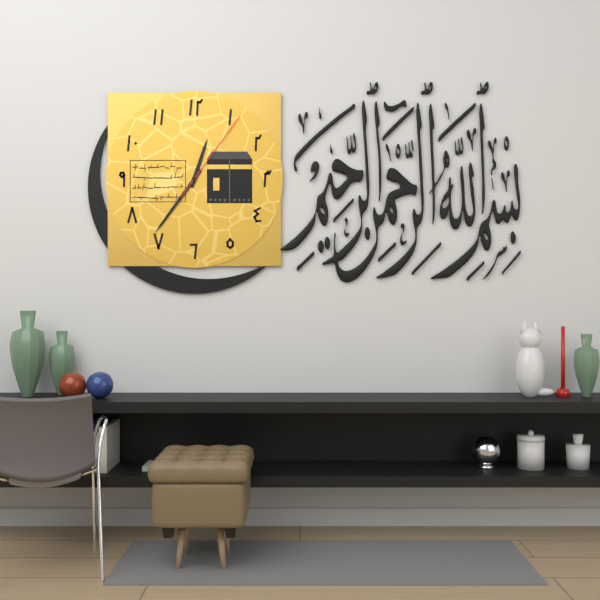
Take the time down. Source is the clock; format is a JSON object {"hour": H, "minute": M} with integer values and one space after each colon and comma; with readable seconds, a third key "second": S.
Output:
{"hour": 12, "minute": 36, "second": 6}
